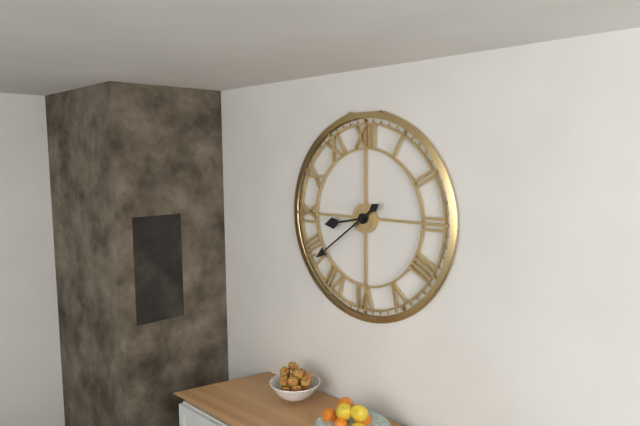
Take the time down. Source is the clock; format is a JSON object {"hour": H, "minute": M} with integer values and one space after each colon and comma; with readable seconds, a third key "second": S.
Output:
{"hour": 8, "minute": 39}
